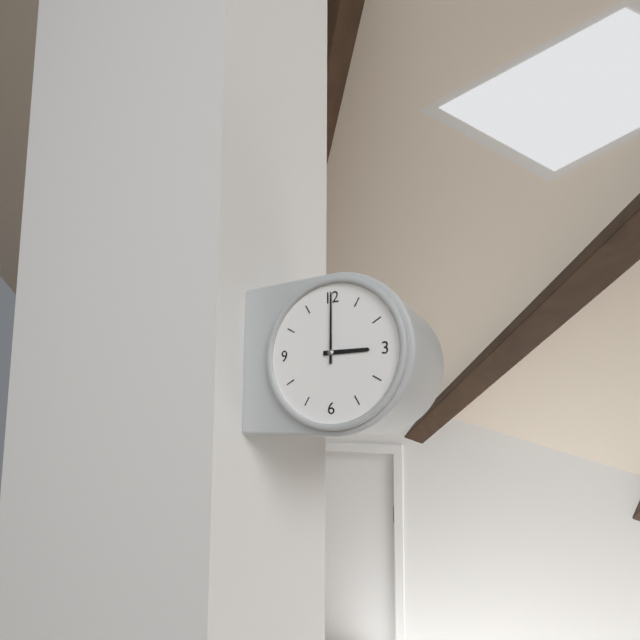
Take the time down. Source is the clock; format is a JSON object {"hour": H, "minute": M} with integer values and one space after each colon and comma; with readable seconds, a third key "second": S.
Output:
{"hour": 3, "minute": 0}
